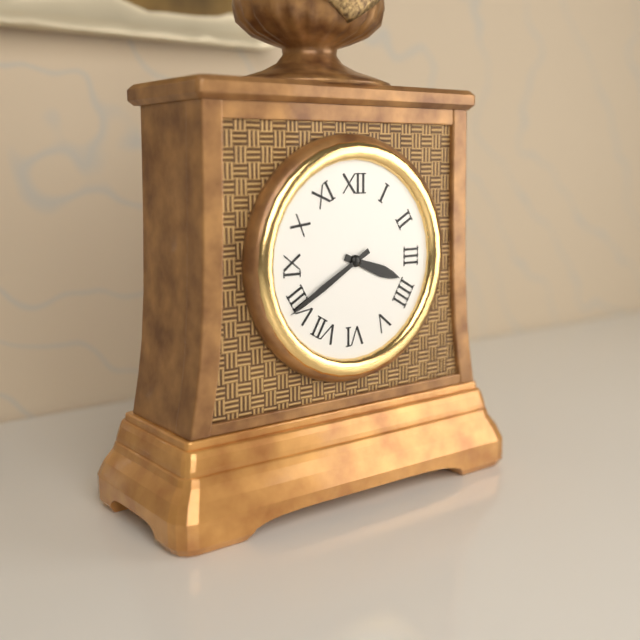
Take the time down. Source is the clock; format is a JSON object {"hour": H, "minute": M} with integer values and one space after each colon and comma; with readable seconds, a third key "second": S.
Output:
{"hour": 3, "minute": 40}
